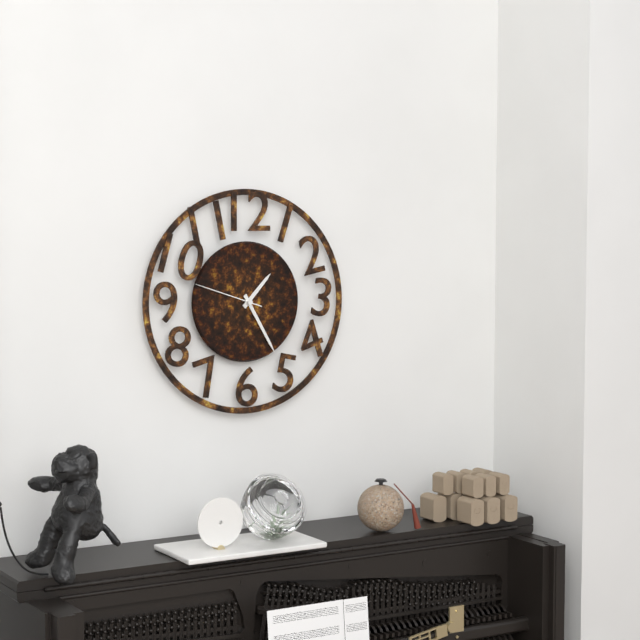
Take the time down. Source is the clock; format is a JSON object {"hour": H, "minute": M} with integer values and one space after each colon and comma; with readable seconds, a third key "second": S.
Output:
{"hour": 1, "minute": 25, "second": 48}
